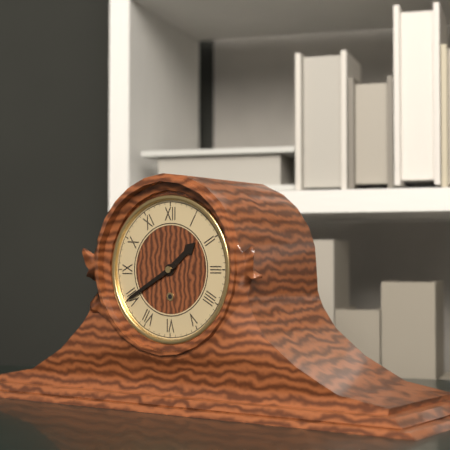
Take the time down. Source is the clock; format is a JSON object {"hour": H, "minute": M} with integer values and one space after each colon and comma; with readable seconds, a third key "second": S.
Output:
{"hour": 1, "minute": 40}
